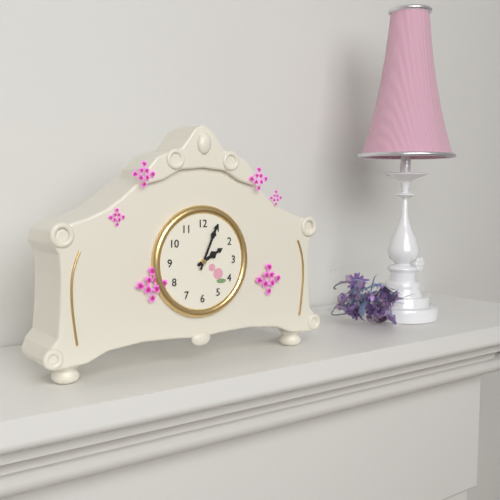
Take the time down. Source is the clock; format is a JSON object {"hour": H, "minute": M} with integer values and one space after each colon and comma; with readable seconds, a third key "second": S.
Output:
{"hour": 2, "minute": 4}
